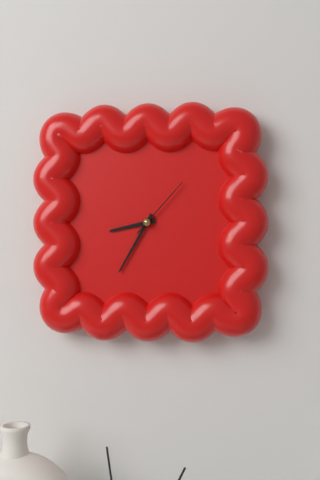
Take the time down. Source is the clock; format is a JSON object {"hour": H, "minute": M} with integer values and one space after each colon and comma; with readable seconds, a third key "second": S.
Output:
{"hour": 8, "minute": 35, "second": 7}
